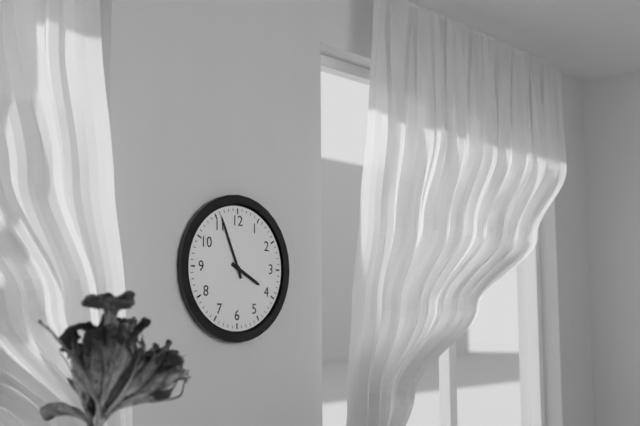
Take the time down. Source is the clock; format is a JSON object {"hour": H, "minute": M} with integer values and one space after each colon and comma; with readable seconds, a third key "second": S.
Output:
{"hour": 3, "minute": 56}
